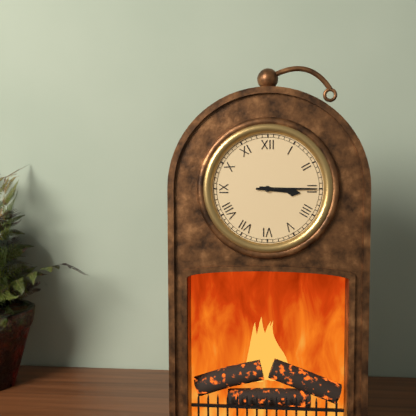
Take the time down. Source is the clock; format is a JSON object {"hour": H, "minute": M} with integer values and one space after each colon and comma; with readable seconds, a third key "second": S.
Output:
{"hour": 3, "minute": 15}
